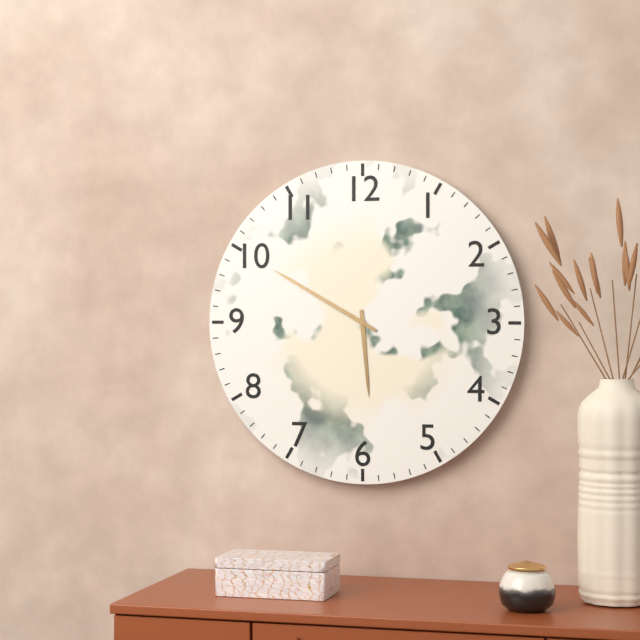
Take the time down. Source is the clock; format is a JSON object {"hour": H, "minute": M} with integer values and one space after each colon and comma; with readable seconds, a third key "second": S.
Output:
{"hour": 5, "minute": 50}
